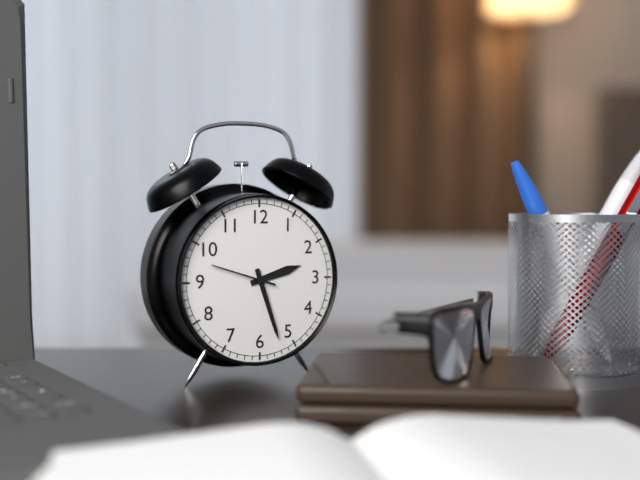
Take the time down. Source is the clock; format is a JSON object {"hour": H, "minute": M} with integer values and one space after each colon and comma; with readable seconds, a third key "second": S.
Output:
{"hour": 2, "minute": 27, "second": 48}
